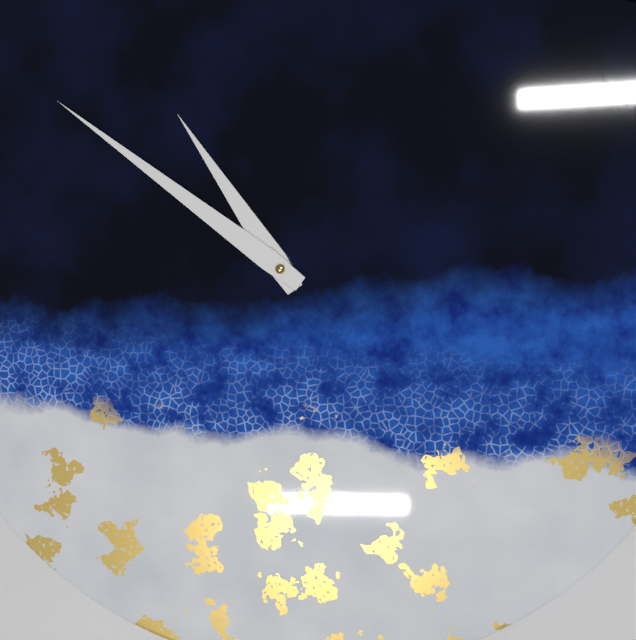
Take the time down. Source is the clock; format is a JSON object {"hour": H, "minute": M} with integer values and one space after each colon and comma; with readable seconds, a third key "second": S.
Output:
{"hour": 10, "minute": 51}
